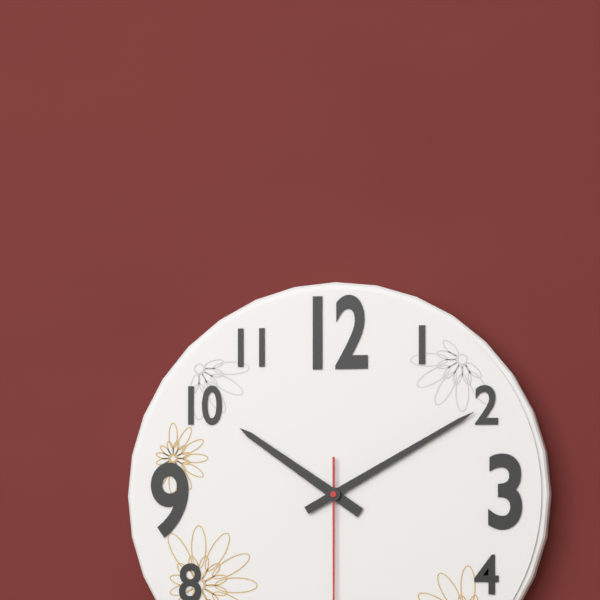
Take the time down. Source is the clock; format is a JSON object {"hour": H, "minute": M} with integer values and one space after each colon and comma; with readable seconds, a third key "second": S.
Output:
{"hour": 10, "minute": 10}
